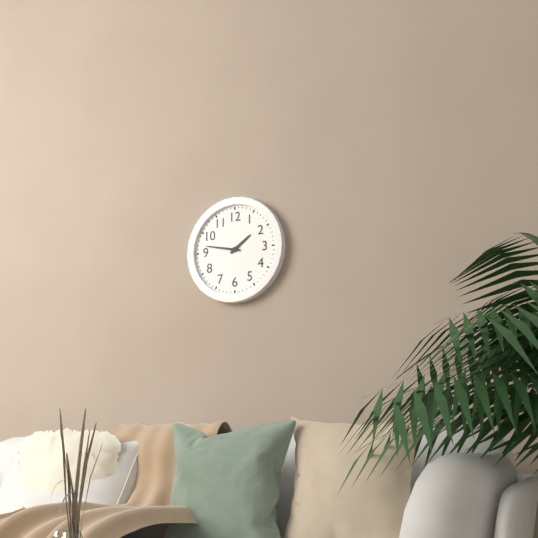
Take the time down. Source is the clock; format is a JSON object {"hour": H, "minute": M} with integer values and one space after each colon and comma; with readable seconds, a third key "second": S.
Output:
{"hour": 1, "minute": 47}
